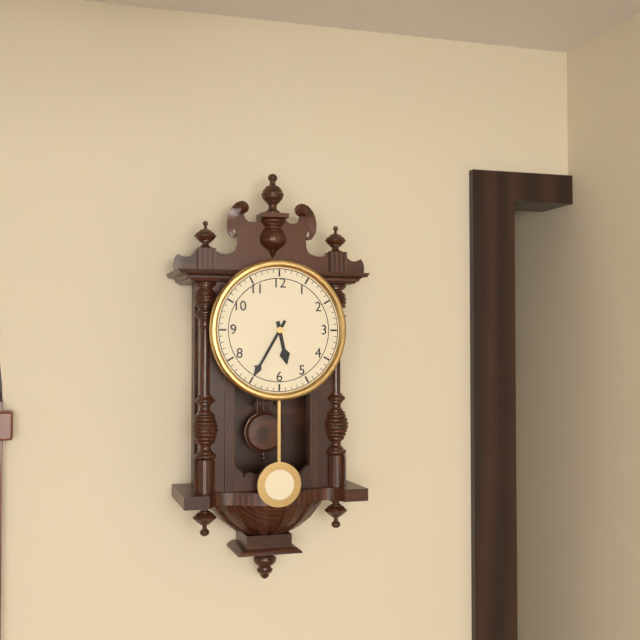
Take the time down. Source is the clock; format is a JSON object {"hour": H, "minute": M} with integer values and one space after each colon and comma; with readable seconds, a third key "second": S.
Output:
{"hour": 5, "minute": 35}
